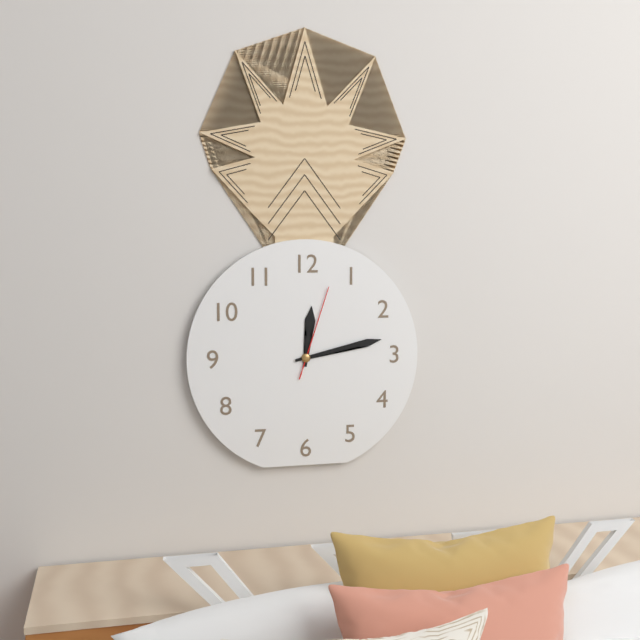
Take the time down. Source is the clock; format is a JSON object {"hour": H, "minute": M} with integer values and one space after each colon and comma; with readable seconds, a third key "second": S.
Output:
{"hour": 12, "minute": 13, "second": 3}
